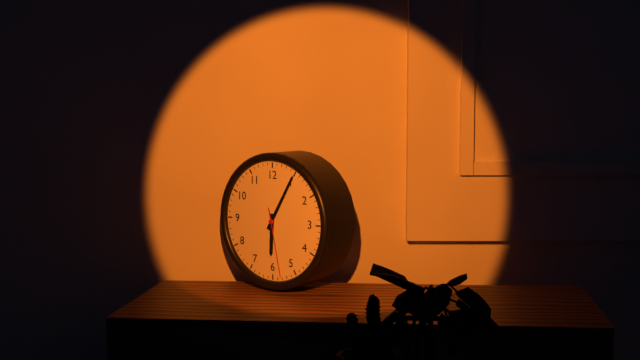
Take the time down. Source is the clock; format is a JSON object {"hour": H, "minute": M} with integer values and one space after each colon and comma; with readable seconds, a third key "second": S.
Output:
{"hour": 6, "minute": 5, "second": 28}
